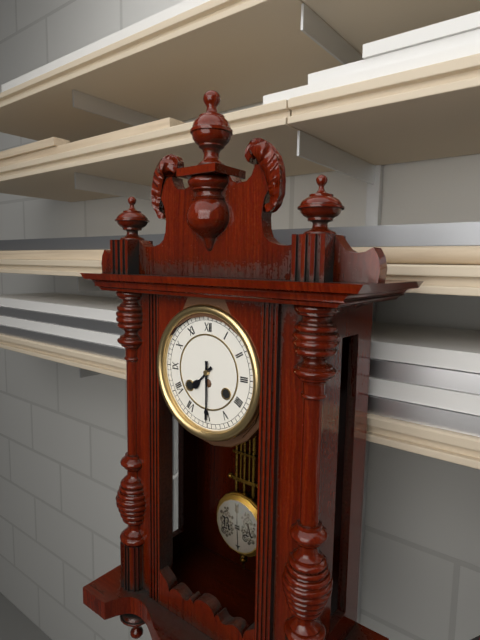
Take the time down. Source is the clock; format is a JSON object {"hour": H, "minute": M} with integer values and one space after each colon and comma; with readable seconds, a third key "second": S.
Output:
{"hour": 7, "minute": 30}
